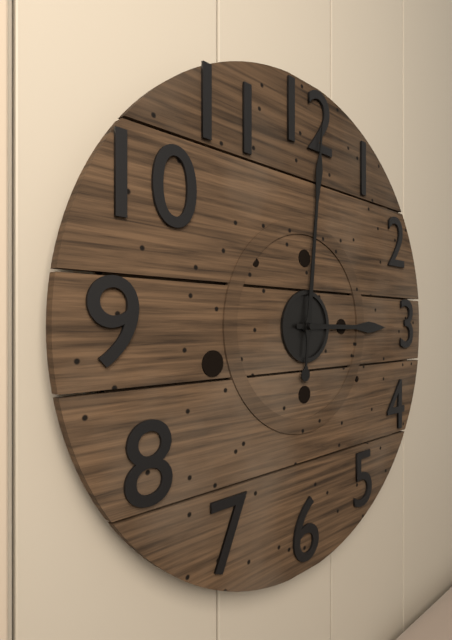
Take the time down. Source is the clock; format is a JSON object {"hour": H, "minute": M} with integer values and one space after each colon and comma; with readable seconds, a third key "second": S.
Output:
{"hour": 3, "minute": 1}
